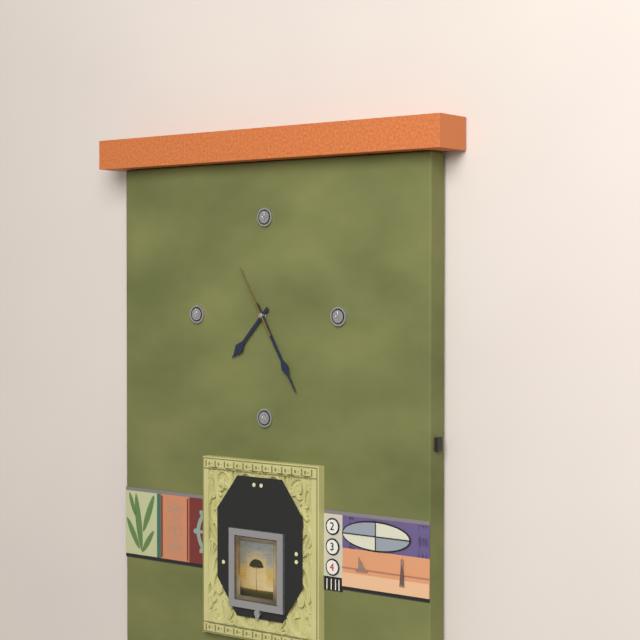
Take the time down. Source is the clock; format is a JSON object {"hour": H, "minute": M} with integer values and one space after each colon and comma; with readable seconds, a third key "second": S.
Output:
{"hour": 7, "minute": 25, "second": 55}
